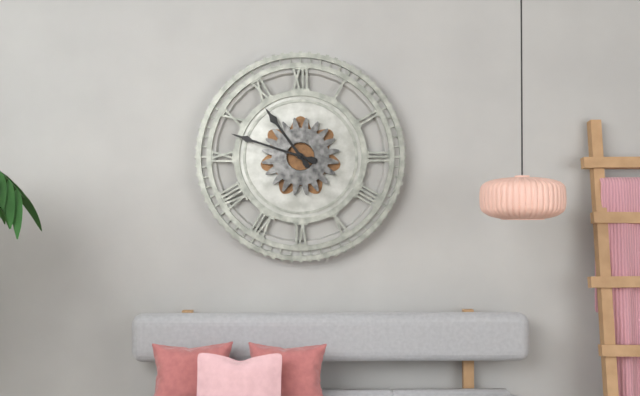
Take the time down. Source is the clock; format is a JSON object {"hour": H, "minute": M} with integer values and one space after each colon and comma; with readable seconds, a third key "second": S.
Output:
{"hour": 10, "minute": 48}
